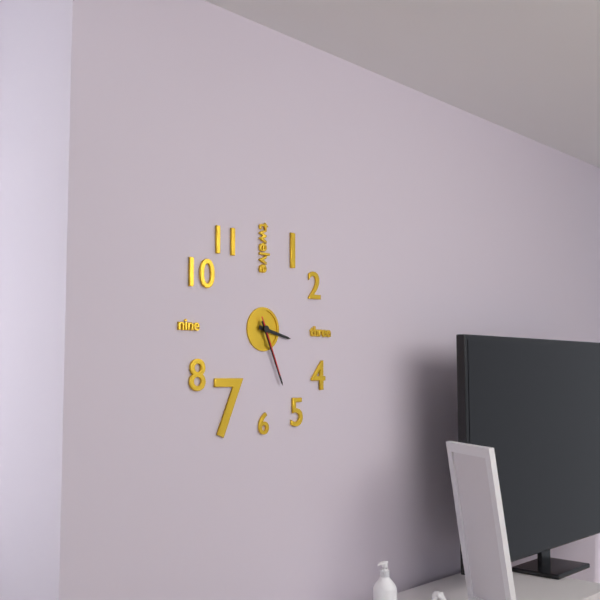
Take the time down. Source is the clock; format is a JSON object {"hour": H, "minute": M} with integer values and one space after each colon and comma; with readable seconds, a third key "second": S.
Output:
{"hour": 3, "minute": 26, "second": 26}
